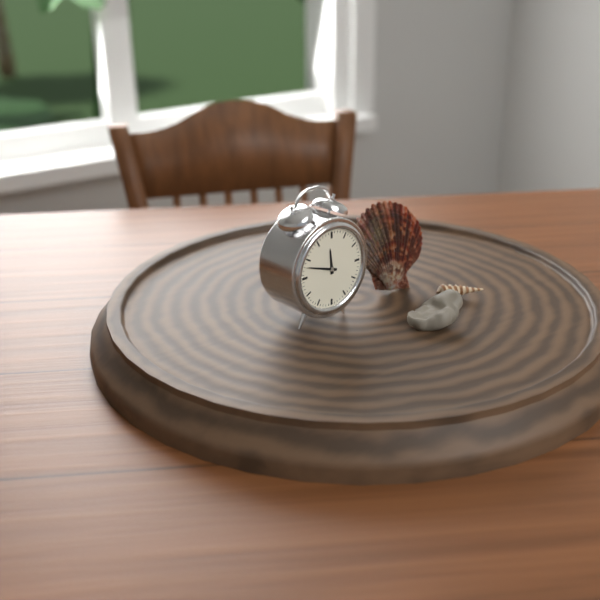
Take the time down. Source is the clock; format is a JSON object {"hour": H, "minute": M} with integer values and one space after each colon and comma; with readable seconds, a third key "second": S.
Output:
{"hour": 11, "minute": 48}
